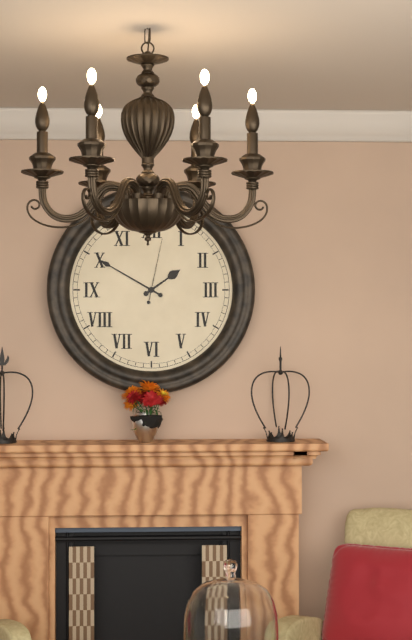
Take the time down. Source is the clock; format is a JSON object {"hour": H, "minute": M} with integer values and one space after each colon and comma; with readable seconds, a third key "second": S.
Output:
{"hour": 1, "minute": 50, "second": 2}
